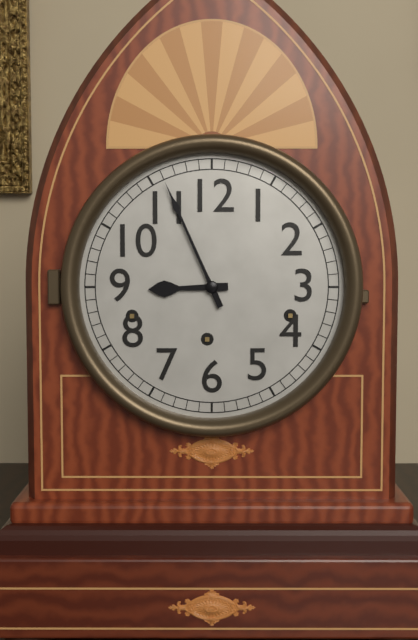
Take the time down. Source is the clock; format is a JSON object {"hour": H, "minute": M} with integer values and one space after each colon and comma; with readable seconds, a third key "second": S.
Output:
{"hour": 8, "minute": 56}
